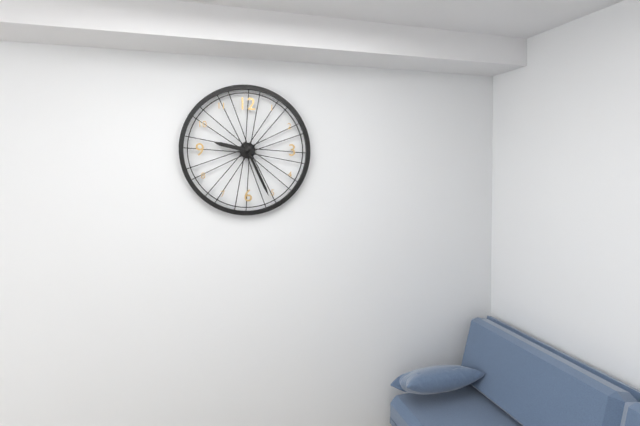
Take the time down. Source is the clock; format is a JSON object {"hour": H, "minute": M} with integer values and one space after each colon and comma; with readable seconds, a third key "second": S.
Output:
{"hour": 9, "minute": 26}
